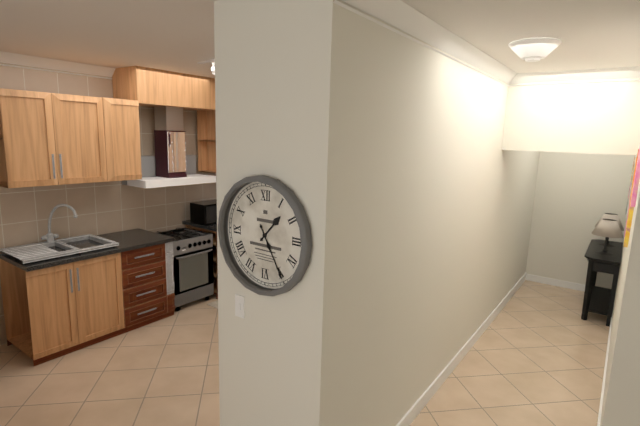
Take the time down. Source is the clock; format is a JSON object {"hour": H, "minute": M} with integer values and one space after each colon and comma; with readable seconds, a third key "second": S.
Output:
{"hour": 1, "minute": 25}
